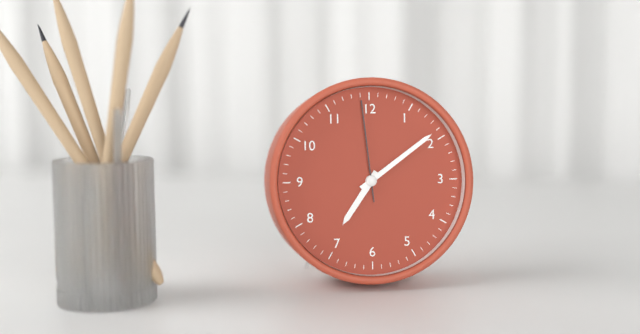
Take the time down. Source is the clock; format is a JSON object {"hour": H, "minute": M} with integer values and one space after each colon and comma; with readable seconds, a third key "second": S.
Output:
{"hour": 7, "minute": 9, "second": 59}
